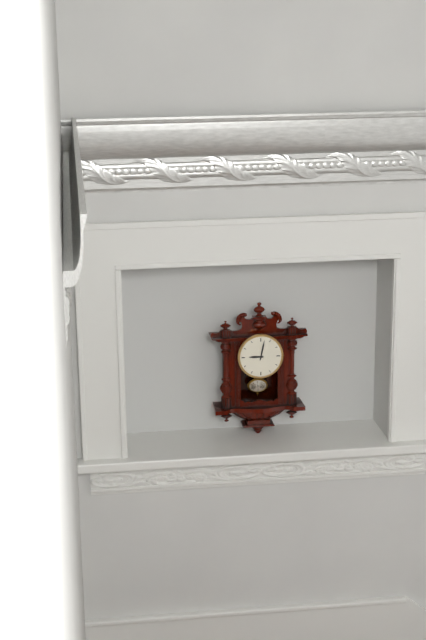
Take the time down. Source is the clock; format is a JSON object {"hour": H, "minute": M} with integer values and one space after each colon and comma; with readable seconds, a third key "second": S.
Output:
{"hour": 9, "minute": 2}
